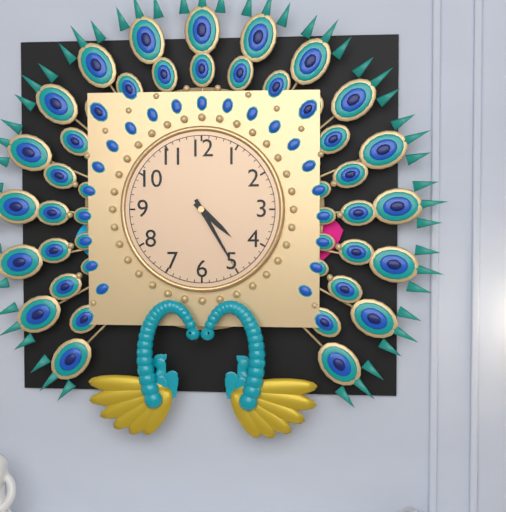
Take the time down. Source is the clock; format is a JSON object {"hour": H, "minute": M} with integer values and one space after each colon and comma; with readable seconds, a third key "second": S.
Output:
{"hour": 4, "minute": 25}
